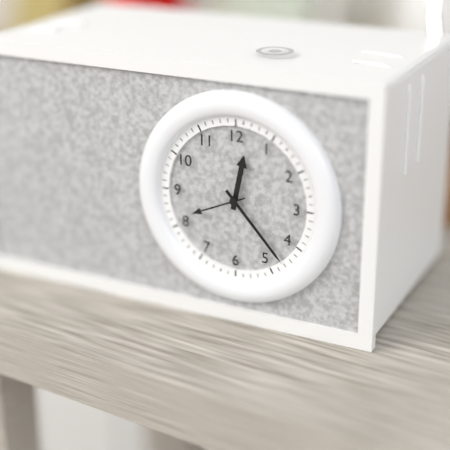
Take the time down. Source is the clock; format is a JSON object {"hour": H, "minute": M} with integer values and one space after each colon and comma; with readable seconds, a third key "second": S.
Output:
{"hour": 12, "minute": 23, "second": 41}
